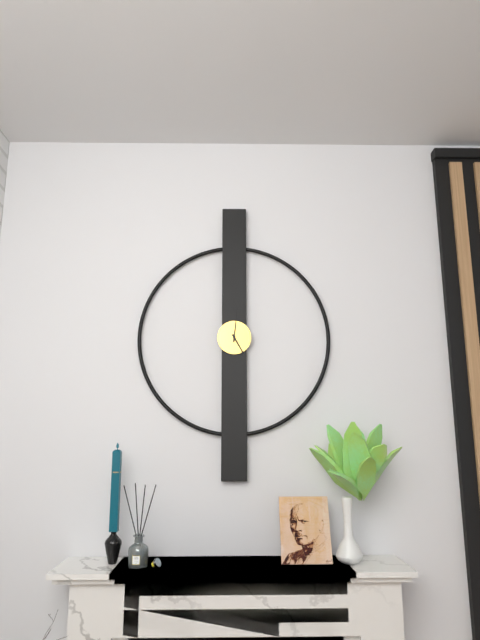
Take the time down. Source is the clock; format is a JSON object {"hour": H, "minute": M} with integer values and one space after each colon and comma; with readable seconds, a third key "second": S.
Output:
{"hour": 5, "minute": 1}
